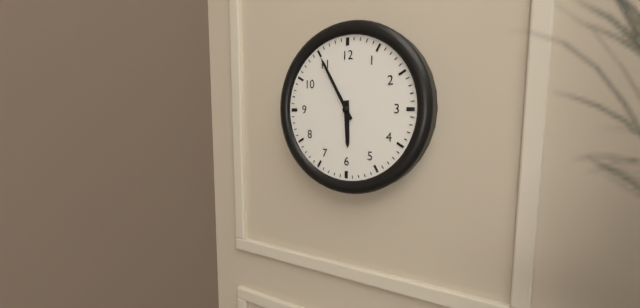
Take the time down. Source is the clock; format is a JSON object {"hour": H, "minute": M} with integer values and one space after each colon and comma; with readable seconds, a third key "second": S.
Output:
{"hour": 5, "minute": 55}
